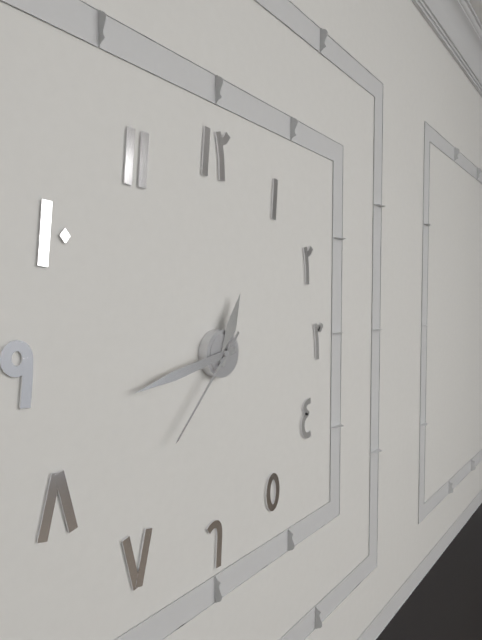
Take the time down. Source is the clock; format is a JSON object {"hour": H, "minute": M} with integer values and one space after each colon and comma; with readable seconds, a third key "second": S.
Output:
{"hour": 12, "minute": 43, "second": 37}
